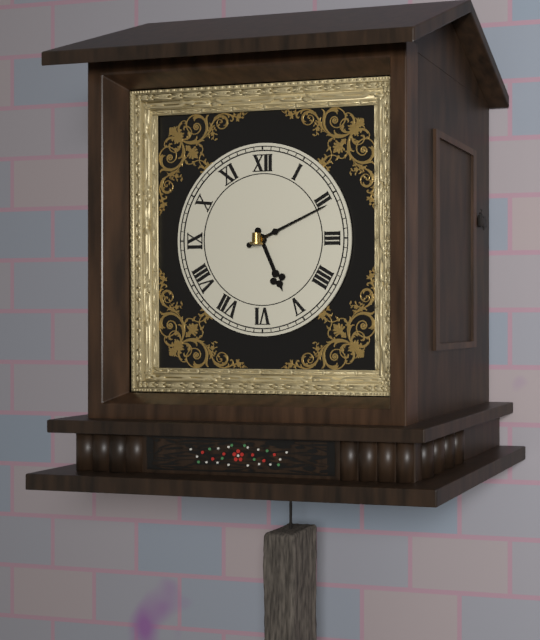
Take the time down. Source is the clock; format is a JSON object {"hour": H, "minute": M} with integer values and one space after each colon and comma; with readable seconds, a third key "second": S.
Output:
{"hour": 5, "minute": 11}
